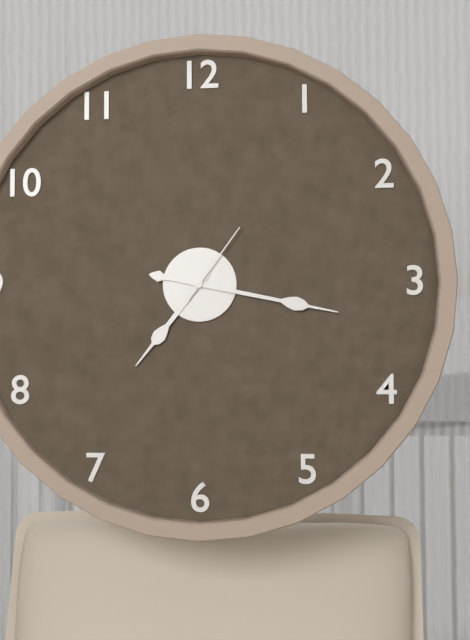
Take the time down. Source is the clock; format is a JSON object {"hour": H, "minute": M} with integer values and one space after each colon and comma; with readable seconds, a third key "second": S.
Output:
{"hour": 7, "minute": 17, "second": 6}
